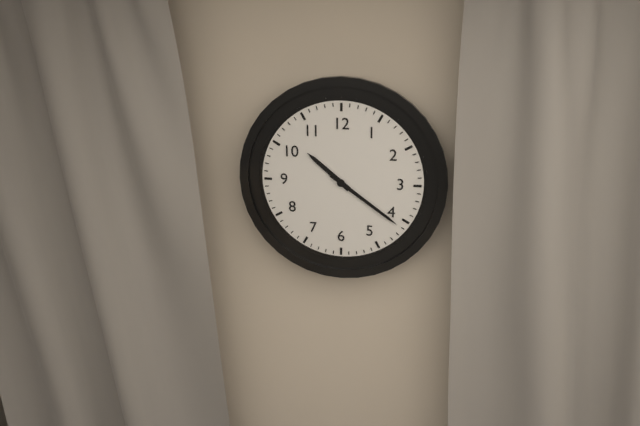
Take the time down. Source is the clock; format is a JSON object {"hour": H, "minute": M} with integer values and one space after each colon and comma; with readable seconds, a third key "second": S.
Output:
{"hour": 10, "minute": 21}
